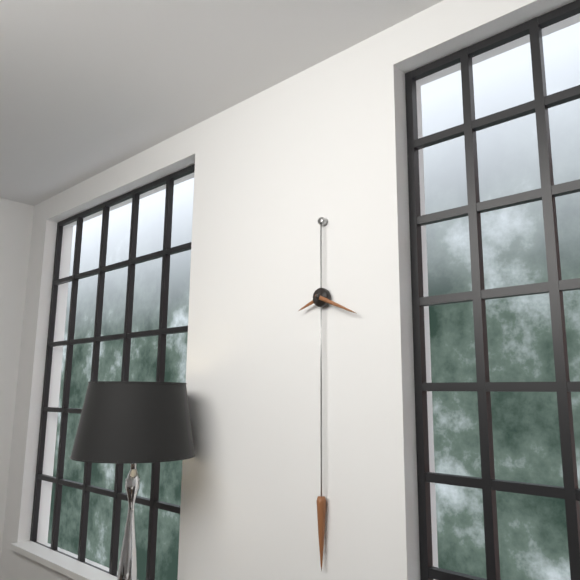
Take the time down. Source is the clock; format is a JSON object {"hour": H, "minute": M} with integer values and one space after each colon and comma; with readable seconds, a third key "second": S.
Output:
{"hour": 8, "minute": 19}
